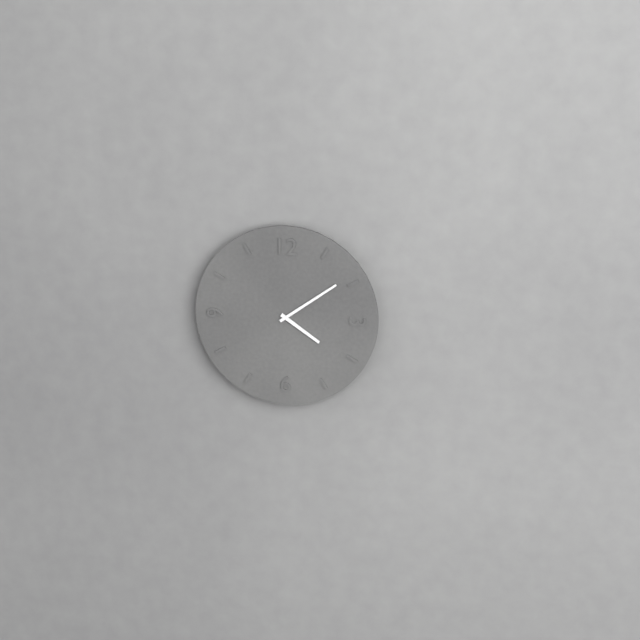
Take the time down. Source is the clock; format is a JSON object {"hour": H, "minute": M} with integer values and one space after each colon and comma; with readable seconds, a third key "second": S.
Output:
{"hour": 4, "minute": 9}
